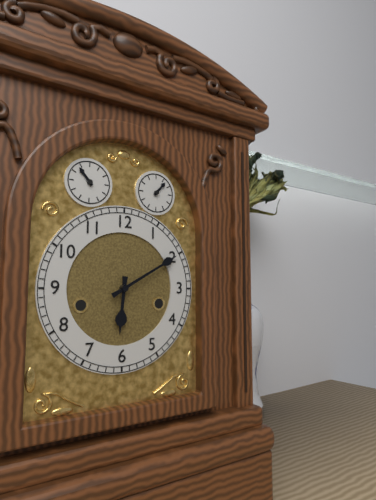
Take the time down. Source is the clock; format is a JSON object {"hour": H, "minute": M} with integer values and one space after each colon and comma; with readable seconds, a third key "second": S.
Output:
{"hour": 6, "minute": 10}
